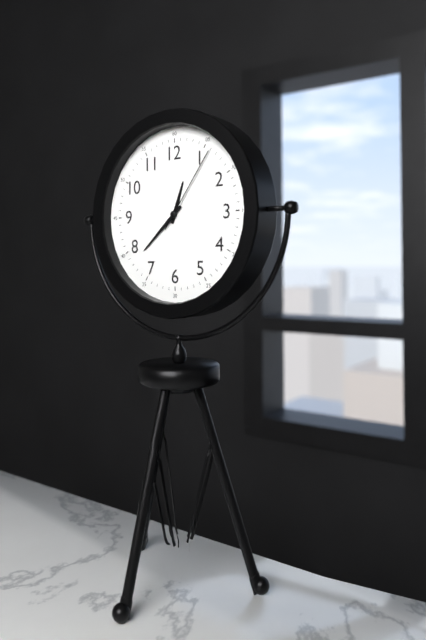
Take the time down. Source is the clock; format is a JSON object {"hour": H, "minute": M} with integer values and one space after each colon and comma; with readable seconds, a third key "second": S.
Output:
{"hour": 12, "minute": 38, "second": 6}
